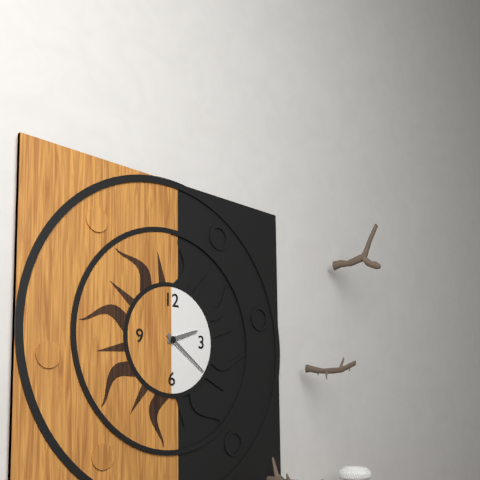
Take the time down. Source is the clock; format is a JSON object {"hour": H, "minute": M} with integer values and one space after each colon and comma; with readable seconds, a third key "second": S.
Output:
{"hour": 2, "minute": 21}
